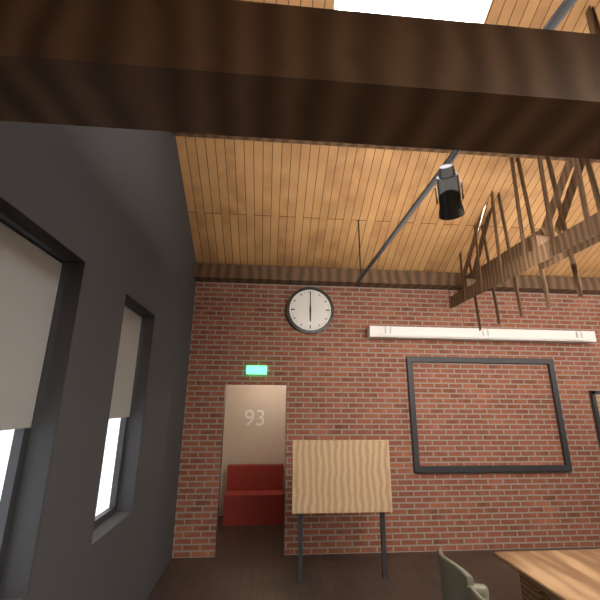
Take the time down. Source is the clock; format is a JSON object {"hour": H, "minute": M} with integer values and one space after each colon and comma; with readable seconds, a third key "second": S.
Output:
{"hour": 6, "minute": 0}
